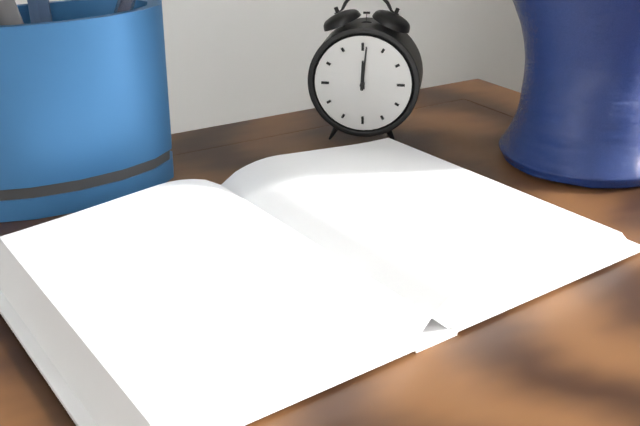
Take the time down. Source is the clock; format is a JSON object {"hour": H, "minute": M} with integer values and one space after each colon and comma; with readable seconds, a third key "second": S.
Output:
{"hour": 12, "minute": 1}
